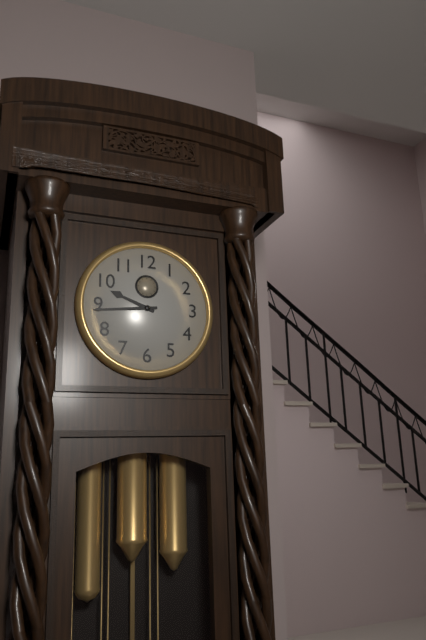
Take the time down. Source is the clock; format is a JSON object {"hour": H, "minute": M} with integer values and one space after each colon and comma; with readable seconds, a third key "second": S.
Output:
{"hour": 9, "minute": 44}
